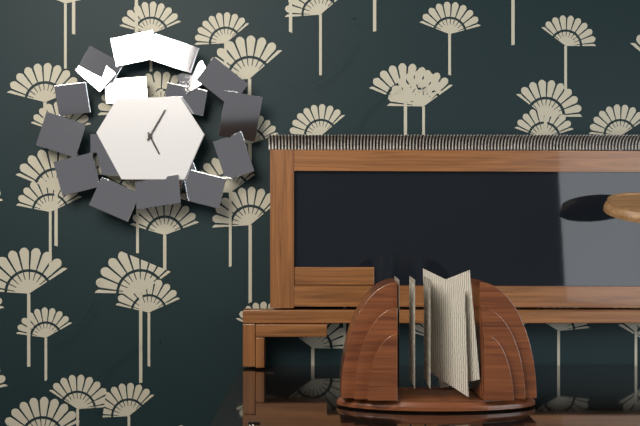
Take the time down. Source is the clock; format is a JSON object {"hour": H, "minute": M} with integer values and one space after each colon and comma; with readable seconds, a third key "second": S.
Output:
{"hour": 5, "minute": 5}
